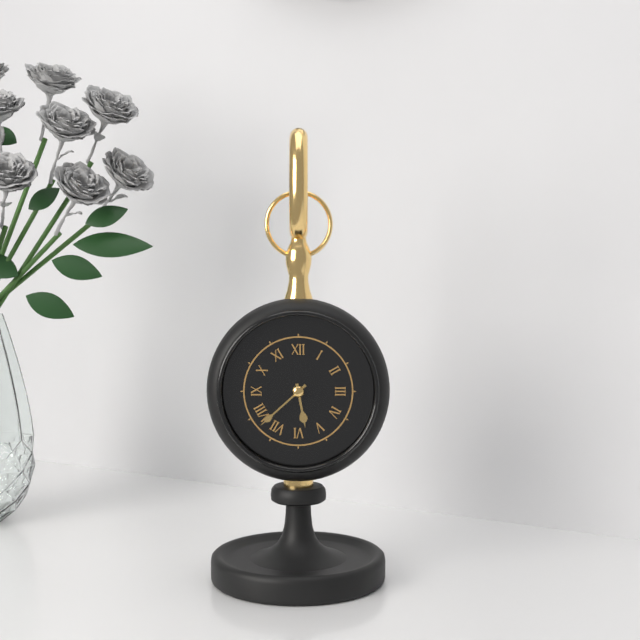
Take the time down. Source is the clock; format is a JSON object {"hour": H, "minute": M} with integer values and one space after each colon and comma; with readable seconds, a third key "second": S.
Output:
{"hour": 5, "minute": 38}
